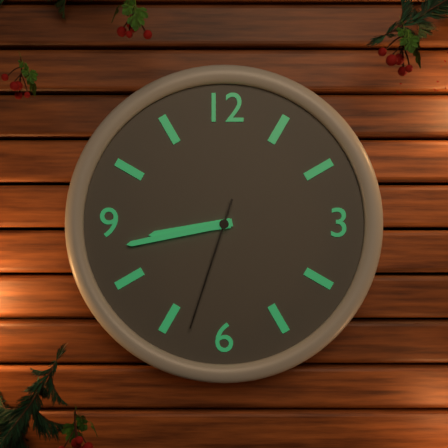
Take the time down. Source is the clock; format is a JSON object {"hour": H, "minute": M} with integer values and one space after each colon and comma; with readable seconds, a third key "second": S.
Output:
{"hour": 8, "minute": 43, "second": 33}
